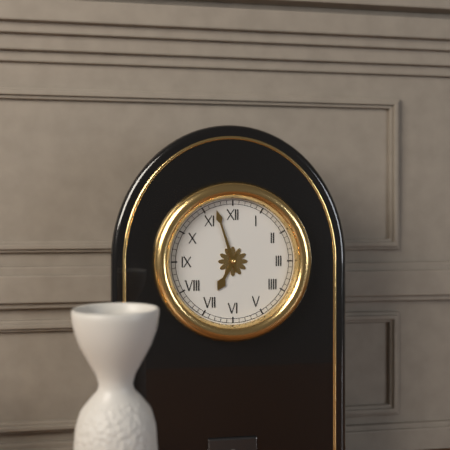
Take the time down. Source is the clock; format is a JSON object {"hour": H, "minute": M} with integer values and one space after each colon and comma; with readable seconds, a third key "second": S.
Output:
{"hour": 6, "minute": 57}
